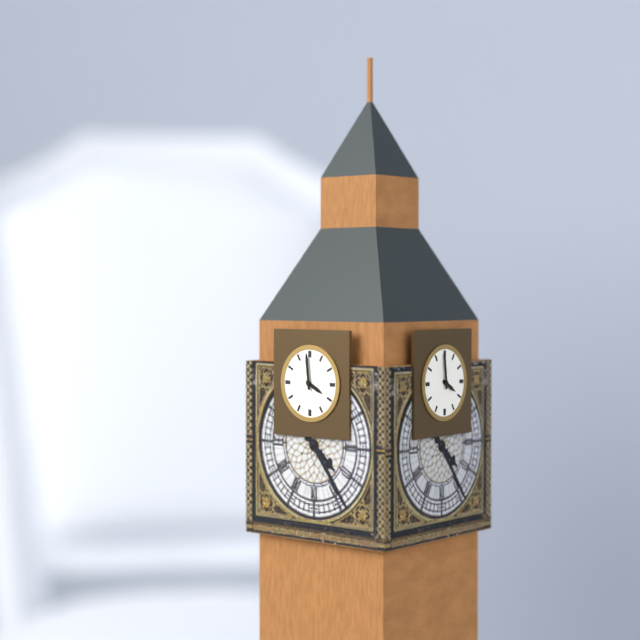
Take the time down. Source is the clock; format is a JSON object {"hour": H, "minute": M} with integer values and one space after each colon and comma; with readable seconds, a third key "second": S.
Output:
{"hour": 3, "minute": 59}
